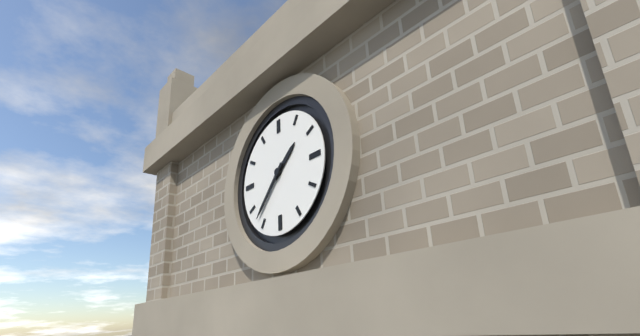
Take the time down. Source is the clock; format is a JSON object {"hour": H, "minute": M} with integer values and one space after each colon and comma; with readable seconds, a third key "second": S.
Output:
{"hour": 1, "minute": 37}
